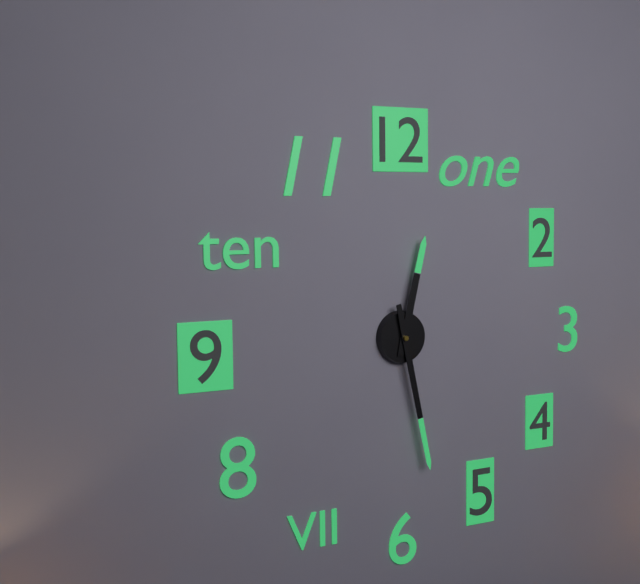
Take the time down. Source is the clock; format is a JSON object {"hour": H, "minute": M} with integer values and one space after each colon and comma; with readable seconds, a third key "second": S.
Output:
{"hour": 12, "minute": 28}
